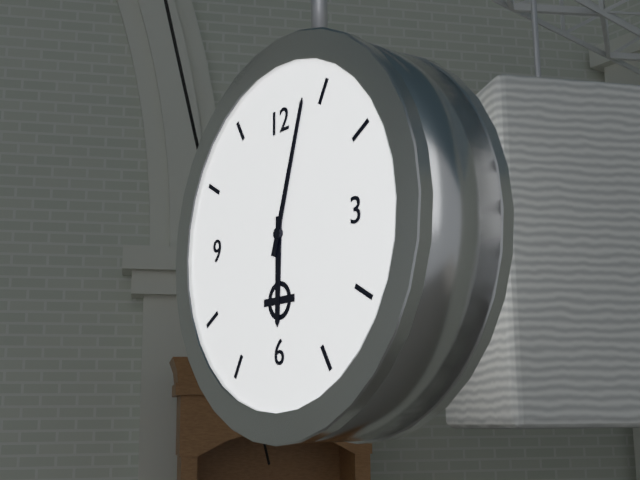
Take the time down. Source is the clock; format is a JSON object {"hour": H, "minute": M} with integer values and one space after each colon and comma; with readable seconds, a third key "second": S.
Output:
{"hour": 6, "minute": 3}
